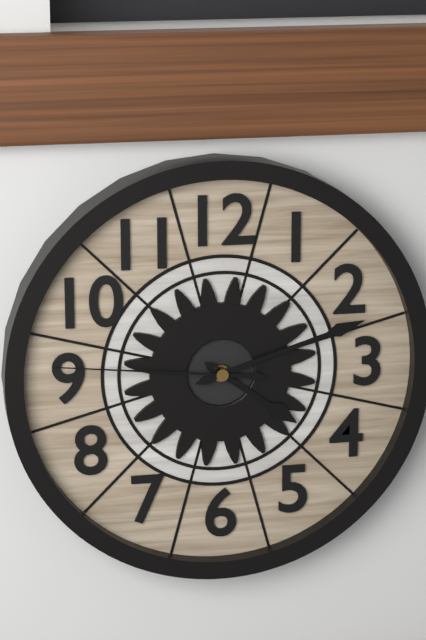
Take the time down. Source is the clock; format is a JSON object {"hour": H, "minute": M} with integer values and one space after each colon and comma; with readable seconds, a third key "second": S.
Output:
{"hour": 4, "minute": 12, "second": 46}
